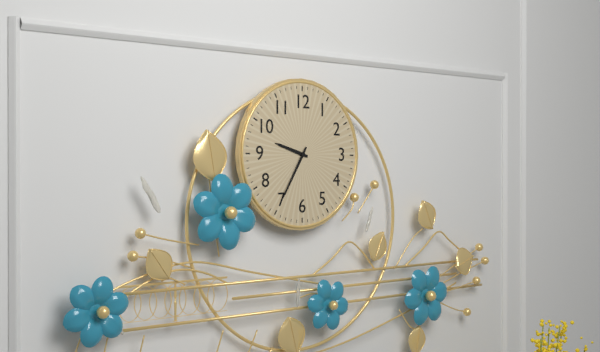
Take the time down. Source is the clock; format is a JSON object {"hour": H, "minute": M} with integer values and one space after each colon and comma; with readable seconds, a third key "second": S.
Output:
{"hour": 9, "minute": 35}
